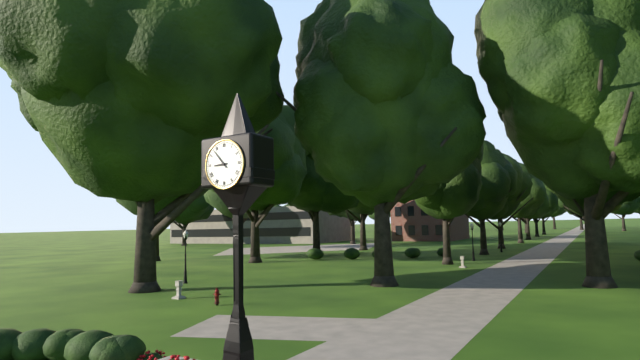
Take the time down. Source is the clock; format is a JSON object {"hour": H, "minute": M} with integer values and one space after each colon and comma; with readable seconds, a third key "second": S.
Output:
{"hour": 8, "minute": 53}
